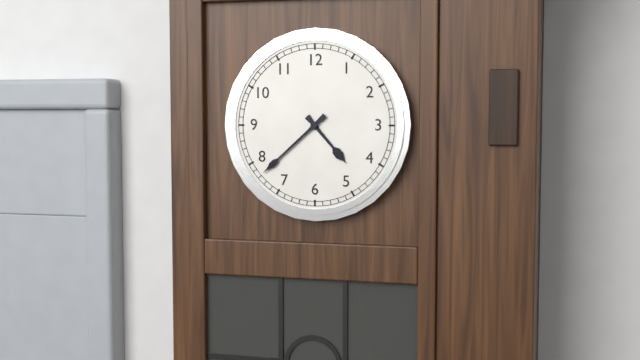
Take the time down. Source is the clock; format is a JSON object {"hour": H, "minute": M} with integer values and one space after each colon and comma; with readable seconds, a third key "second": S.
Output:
{"hour": 4, "minute": 38}
